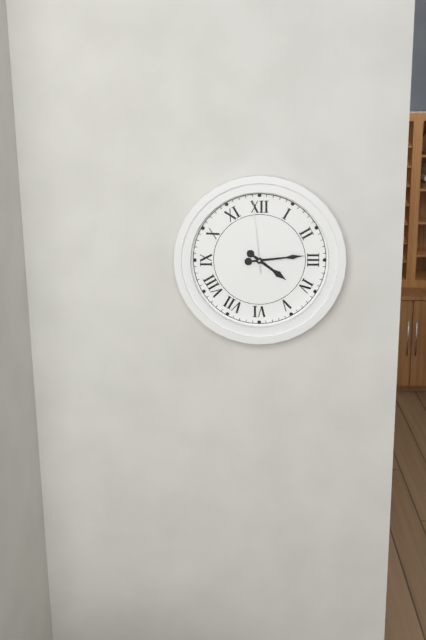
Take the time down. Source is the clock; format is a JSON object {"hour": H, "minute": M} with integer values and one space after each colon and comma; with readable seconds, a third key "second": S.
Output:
{"hour": 4, "minute": 14, "second": 59}
